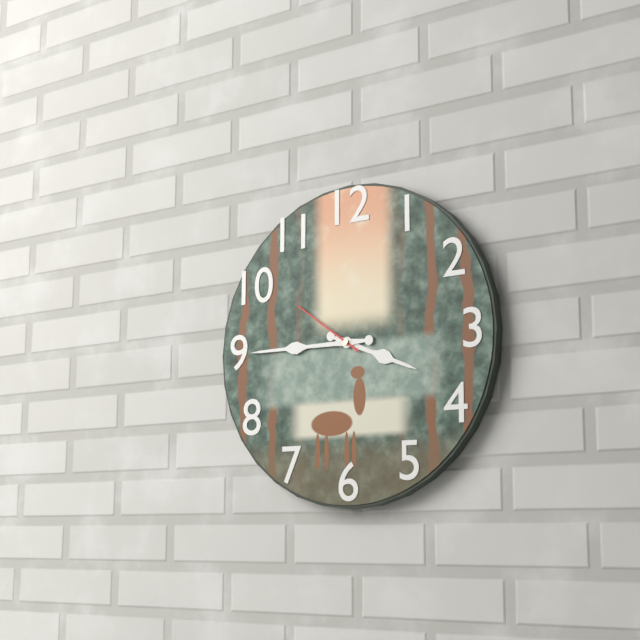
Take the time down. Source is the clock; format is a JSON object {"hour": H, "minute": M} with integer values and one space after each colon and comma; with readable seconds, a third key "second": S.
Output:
{"hour": 3, "minute": 45, "second": 51}
